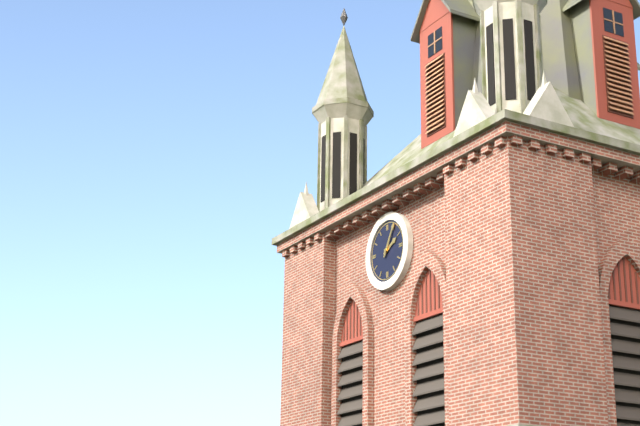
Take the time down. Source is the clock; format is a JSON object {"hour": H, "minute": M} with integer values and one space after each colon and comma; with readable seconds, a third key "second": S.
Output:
{"hour": 2, "minute": 5}
